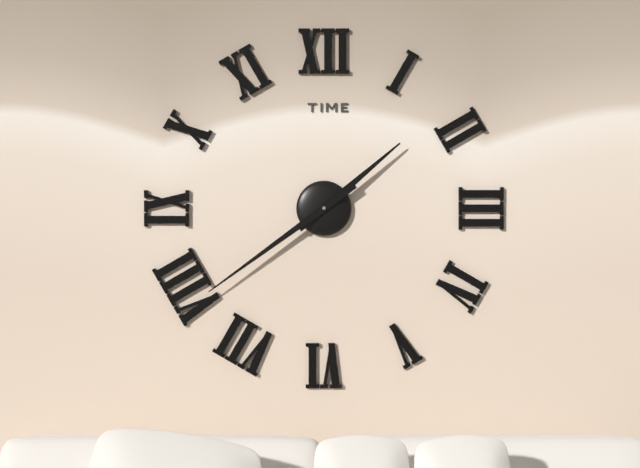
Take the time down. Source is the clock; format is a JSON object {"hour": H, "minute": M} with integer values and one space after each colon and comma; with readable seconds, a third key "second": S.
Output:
{"hour": 1, "minute": 39}
